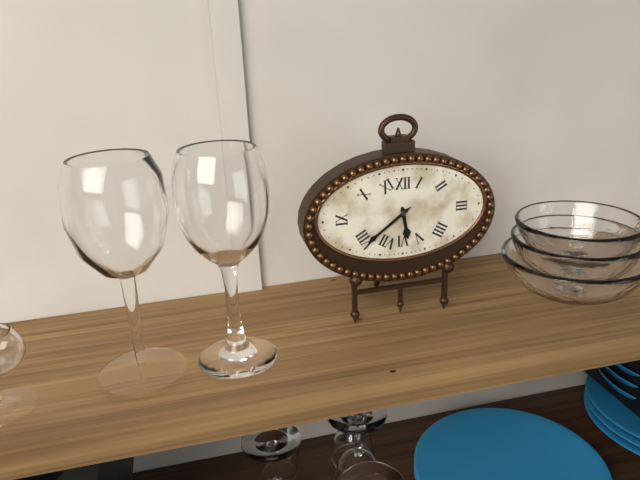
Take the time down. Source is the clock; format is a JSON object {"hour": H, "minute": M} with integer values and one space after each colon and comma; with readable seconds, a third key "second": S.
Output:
{"hour": 5, "minute": 39}
